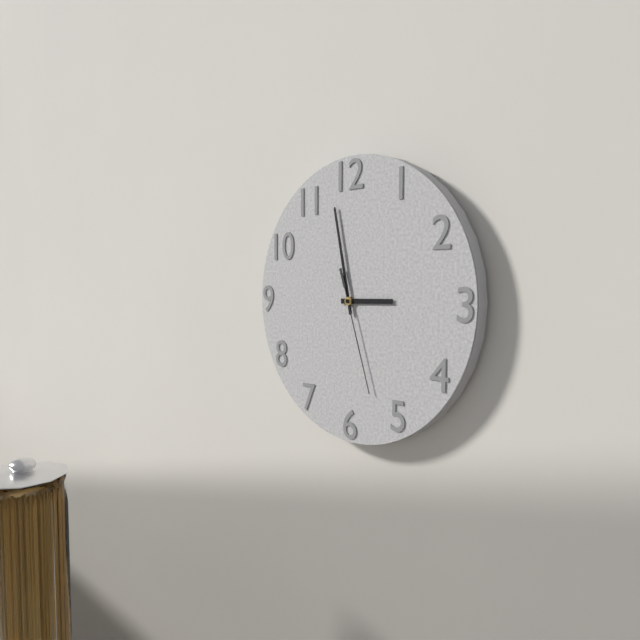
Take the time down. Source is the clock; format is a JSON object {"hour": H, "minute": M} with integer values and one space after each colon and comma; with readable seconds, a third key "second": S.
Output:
{"hour": 2, "minute": 58, "second": 27}
